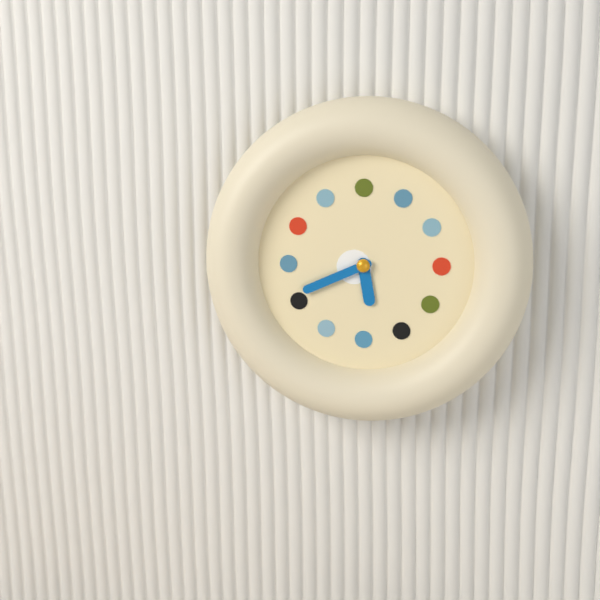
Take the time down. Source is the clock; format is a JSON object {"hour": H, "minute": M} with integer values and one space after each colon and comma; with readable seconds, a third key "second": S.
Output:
{"hour": 5, "minute": 41}
